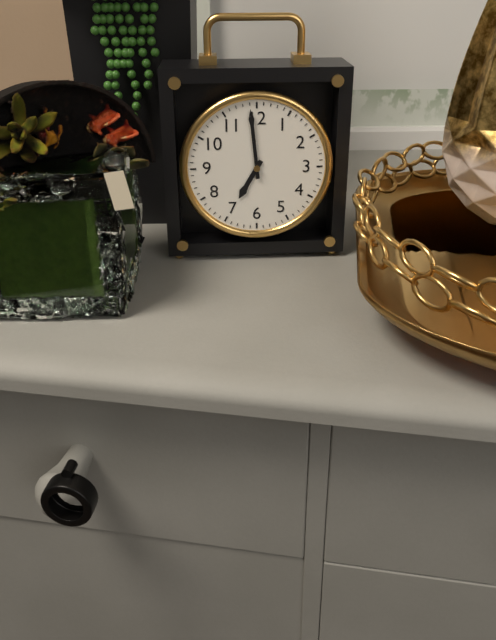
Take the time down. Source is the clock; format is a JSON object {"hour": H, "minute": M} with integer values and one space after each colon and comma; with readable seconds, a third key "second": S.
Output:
{"hour": 6, "minute": 59}
